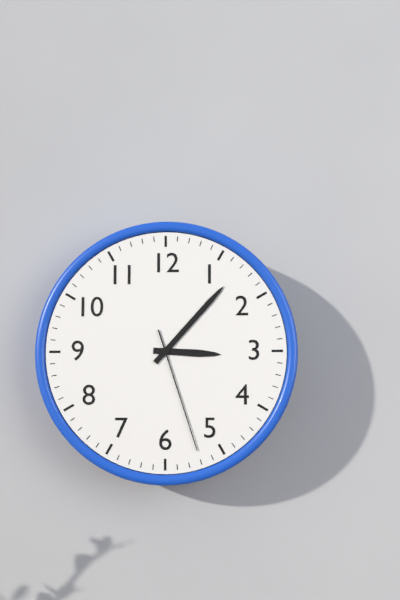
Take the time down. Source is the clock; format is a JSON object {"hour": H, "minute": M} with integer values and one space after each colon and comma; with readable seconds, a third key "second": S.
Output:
{"hour": 3, "minute": 7, "second": 27}
